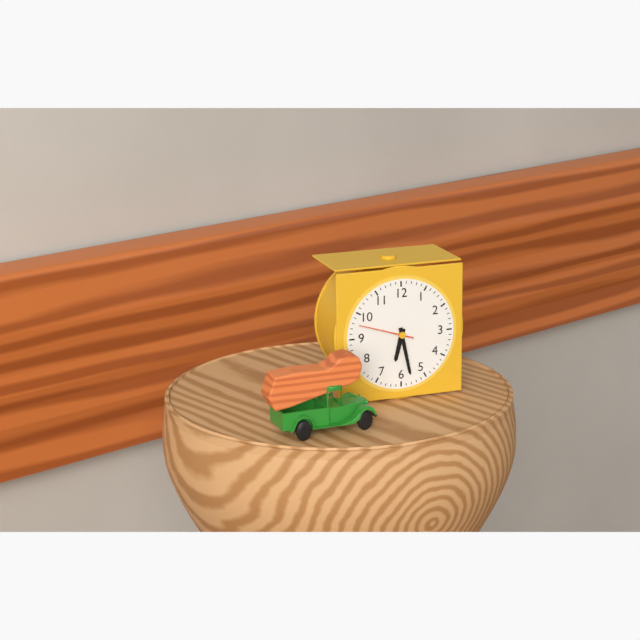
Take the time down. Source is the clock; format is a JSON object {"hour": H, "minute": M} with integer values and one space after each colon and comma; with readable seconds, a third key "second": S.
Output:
{"hour": 6, "minute": 28, "second": 48}
